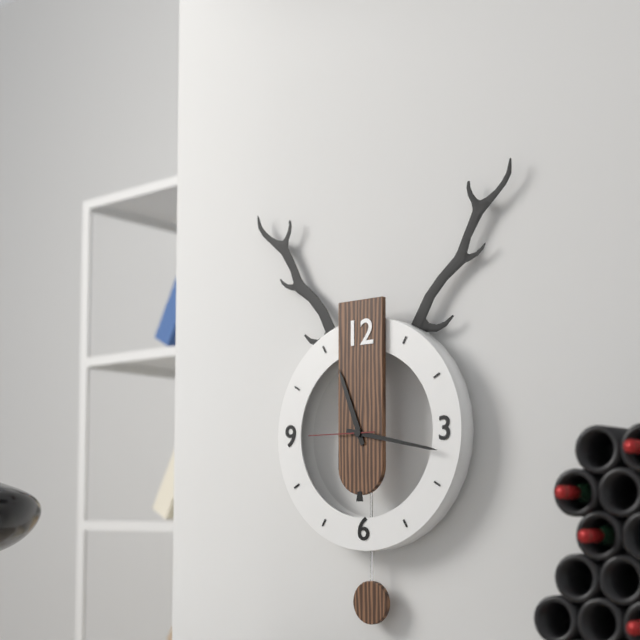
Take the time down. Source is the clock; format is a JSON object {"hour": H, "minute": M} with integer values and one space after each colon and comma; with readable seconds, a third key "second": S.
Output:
{"hour": 11, "minute": 17, "second": 45}
